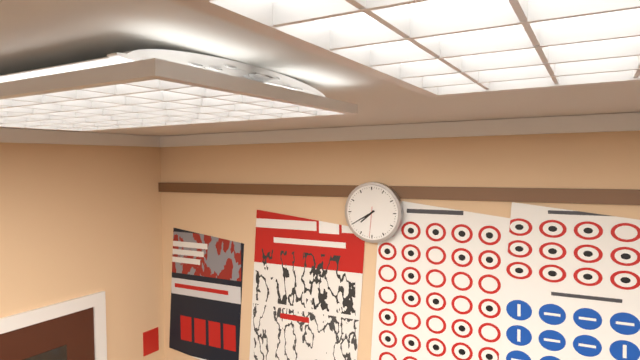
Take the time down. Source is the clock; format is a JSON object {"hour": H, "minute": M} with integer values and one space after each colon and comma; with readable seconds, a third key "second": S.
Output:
{"hour": 7, "minute": 40}
